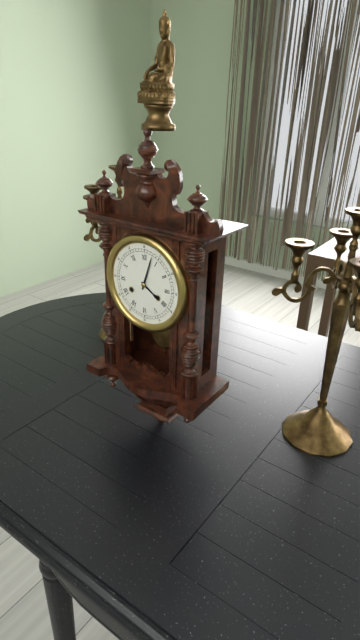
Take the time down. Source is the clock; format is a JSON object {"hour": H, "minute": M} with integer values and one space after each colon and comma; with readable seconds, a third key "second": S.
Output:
{"hour": 4, "minute": 3}
